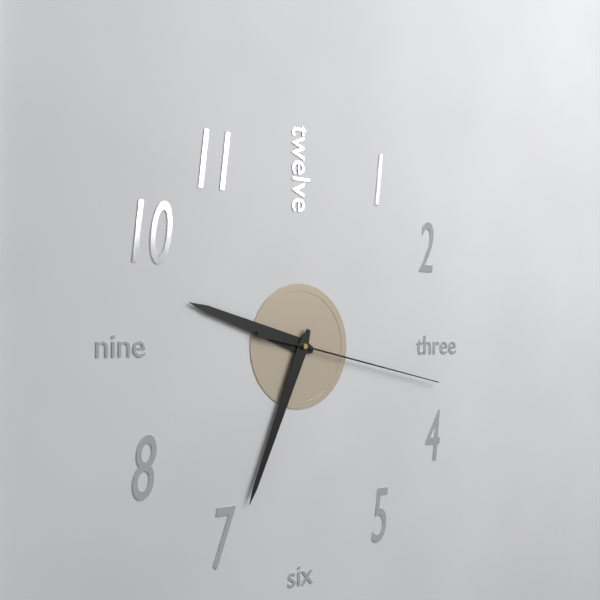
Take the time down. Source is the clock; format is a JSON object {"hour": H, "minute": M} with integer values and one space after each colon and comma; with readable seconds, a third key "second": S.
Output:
{"hour": 9, "minute": 34, "second": 17}
